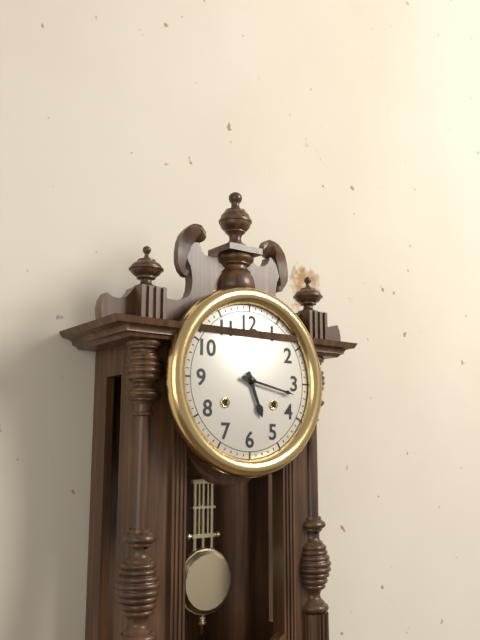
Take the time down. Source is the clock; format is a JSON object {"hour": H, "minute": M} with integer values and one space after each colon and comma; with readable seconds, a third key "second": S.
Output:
{"hour": 5, "minute": 17}
